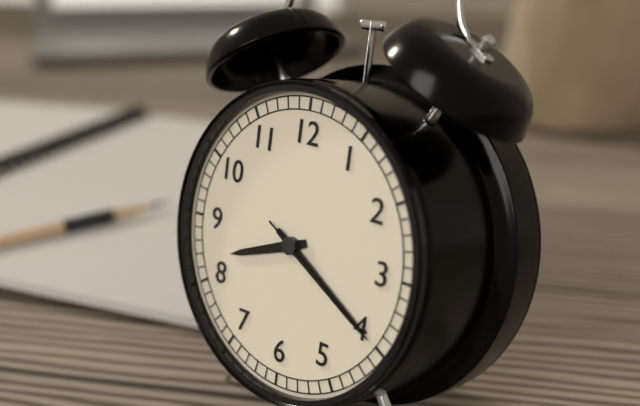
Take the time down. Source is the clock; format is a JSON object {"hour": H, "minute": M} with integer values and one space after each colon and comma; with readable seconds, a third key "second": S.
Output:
{"hour": 8, "minute": 20, "second": 20}
